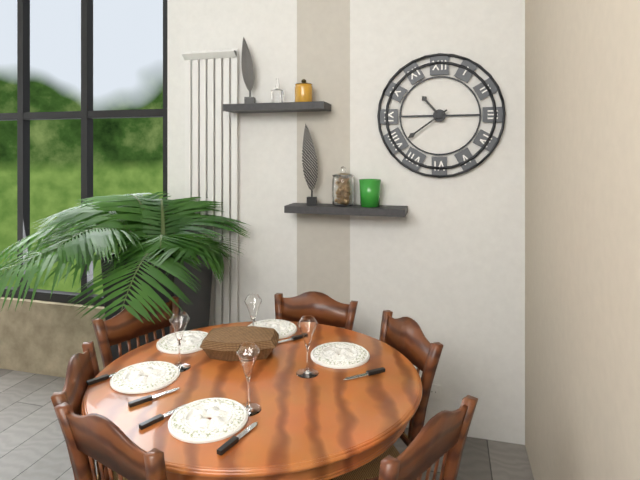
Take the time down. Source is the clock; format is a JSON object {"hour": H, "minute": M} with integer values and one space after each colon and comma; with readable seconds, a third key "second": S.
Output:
{"hour": 10, "minute": 39}
